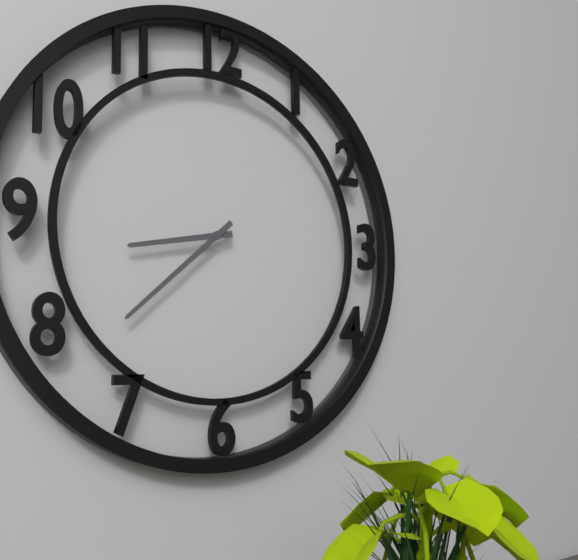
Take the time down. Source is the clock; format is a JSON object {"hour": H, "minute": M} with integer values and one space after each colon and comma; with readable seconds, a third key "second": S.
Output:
{"hour": 8, "minute": 38}
